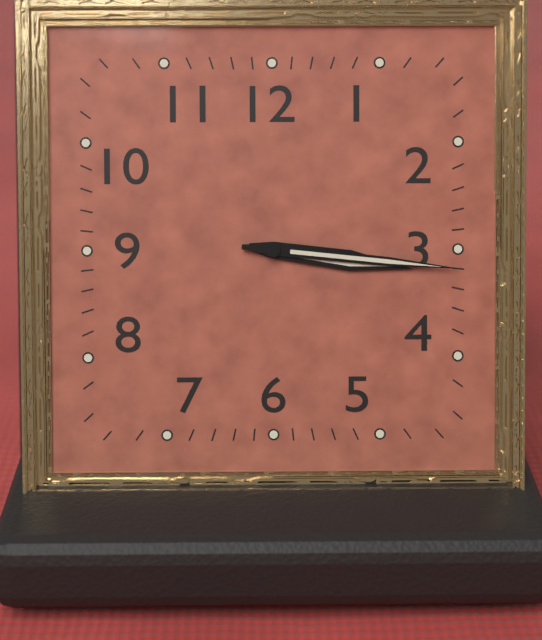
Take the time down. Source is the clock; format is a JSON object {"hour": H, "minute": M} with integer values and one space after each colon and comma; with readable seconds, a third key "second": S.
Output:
{"hour": 3, "minute": 16}
